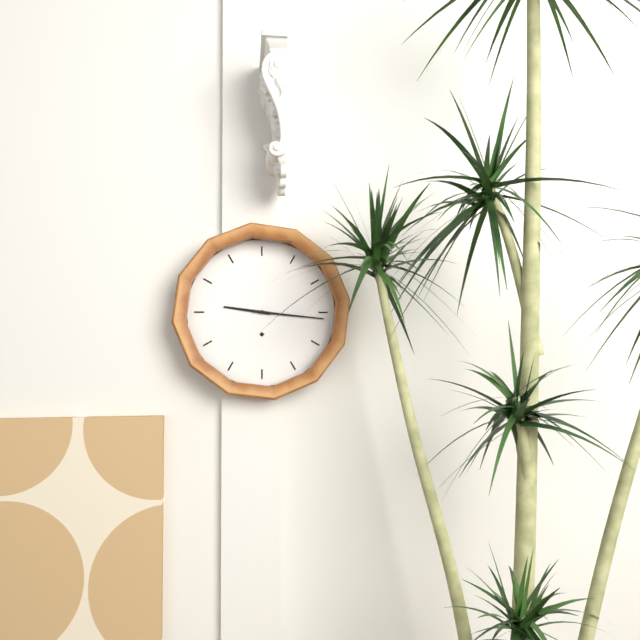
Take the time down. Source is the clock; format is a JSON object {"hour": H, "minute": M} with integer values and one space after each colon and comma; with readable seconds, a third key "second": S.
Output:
{"hour": 9, "minute": 16}
